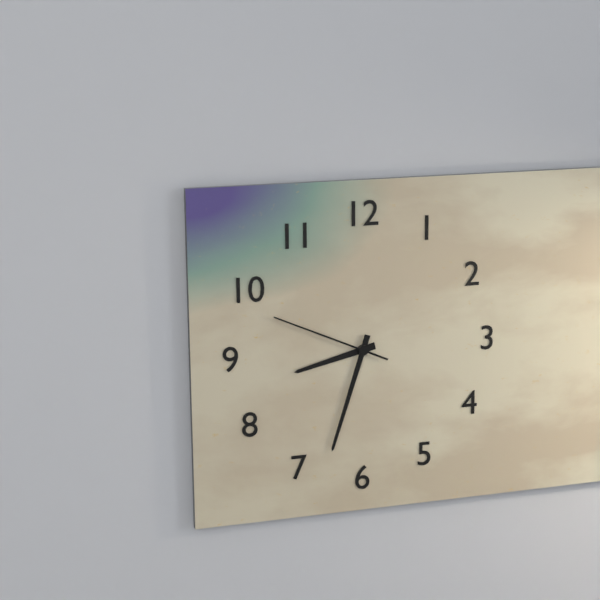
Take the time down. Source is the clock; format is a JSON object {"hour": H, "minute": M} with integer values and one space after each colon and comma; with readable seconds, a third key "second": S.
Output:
{"hour": 8, "minute": 33, "second": 49}
